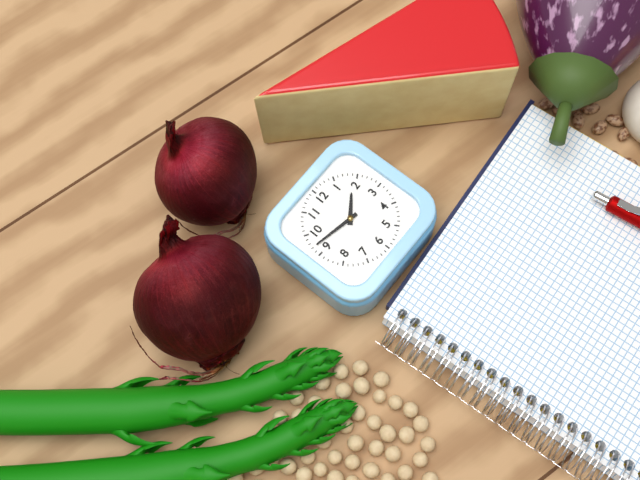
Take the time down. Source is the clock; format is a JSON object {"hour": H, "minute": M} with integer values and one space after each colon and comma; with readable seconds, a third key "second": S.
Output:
{"hour": 1, "minute": 47}
